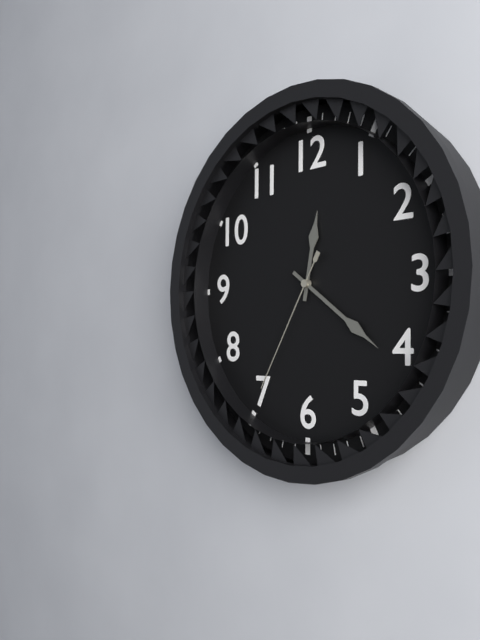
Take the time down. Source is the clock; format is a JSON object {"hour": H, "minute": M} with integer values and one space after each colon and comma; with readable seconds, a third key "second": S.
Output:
{"hour": 12, "minute": 21, "second": 35}
